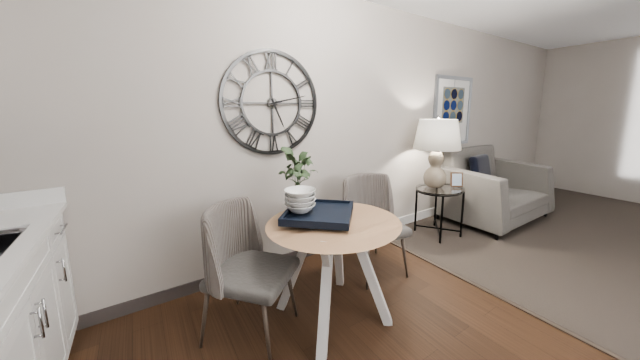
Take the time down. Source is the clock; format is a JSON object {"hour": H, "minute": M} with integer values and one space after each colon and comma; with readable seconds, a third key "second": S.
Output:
{"hour": 5, "minute": 13}
